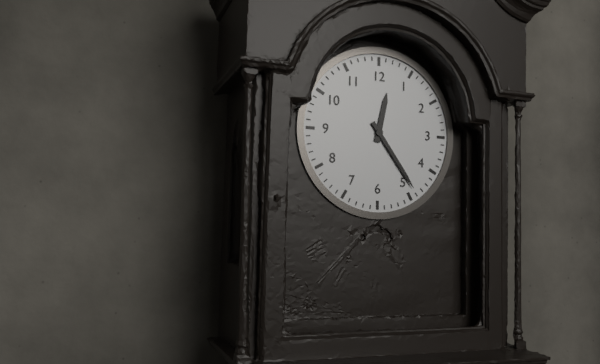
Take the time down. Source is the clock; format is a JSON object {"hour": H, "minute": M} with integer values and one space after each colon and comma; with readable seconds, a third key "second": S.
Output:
{"hour": 12, "minute": 24}
